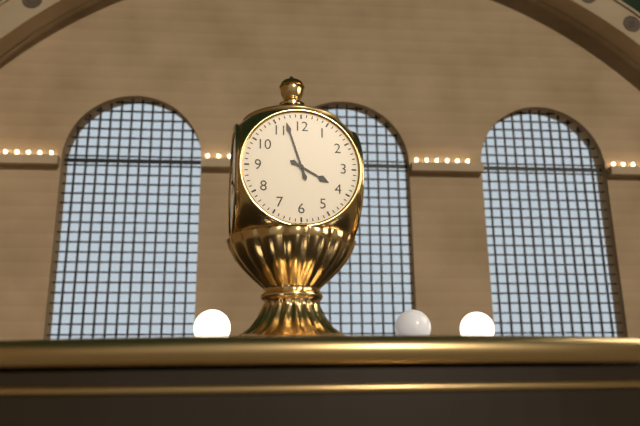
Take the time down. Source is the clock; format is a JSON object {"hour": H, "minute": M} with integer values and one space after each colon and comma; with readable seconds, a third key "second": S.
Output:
{"hour": 3, "minute": 57}
